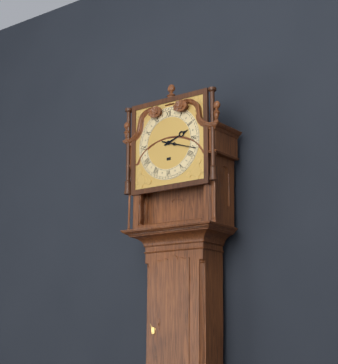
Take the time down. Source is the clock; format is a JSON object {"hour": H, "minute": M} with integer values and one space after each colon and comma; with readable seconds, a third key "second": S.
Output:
{"hour": 2, "minute": 18}
